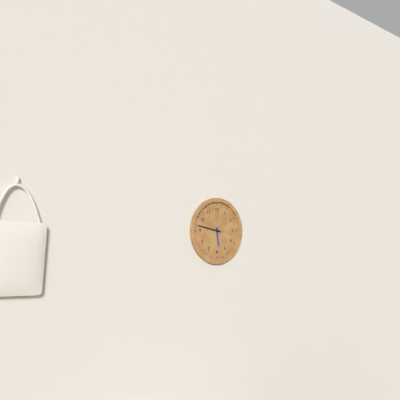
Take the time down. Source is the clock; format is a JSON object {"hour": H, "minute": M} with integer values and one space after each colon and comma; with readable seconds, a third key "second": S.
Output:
{"hour": 5, "minute": 47}
